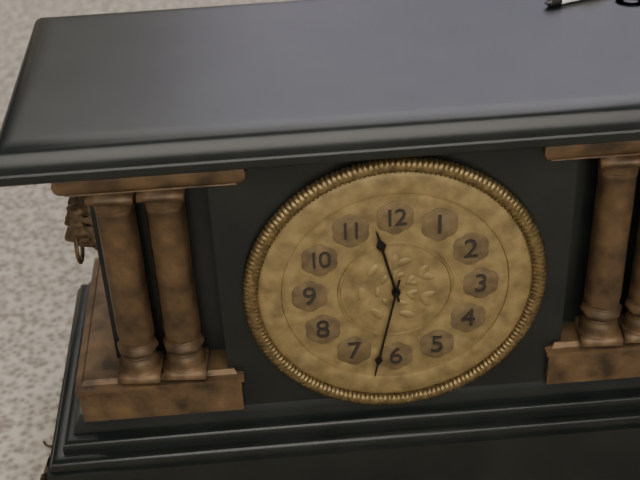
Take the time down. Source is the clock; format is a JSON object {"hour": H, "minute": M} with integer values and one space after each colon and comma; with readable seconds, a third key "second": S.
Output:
{"hour": 11, "minute": 32}
